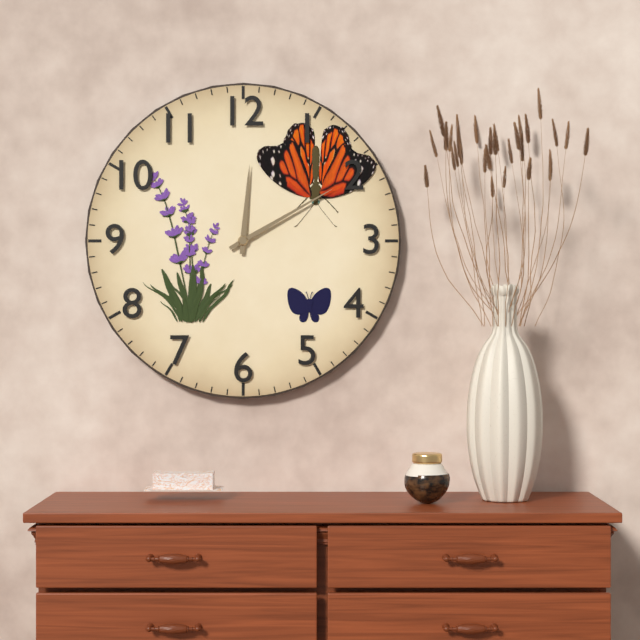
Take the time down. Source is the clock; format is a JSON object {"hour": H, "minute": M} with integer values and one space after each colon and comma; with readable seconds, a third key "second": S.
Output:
{"hour": 12, "minute": 10}
